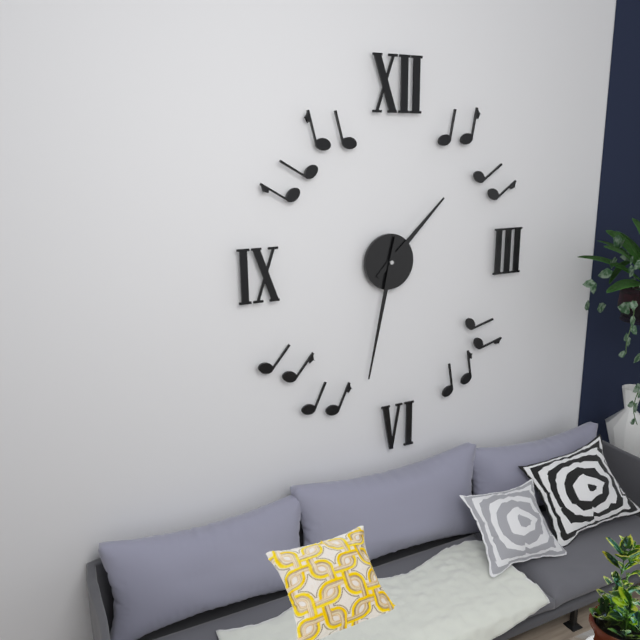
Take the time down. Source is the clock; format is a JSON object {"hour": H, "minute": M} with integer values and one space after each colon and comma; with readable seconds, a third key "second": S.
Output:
{"hour": 1, "minute": 32}
